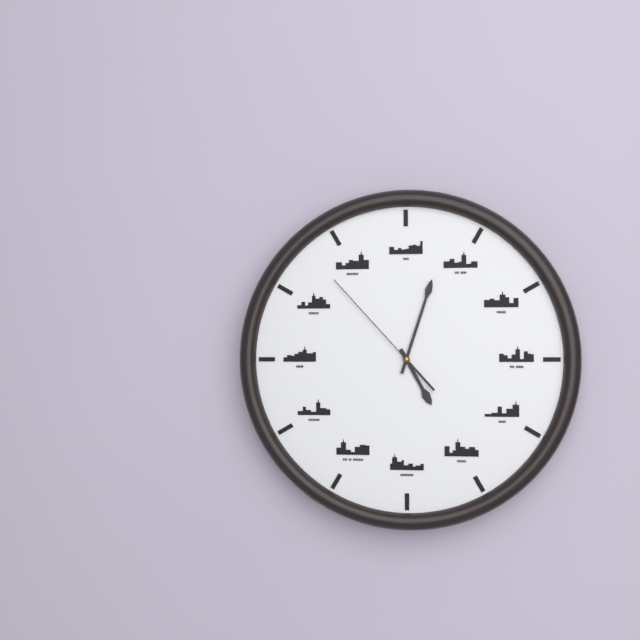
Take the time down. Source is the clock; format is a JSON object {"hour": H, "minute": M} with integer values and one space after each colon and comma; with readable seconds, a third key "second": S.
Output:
{"hour": 5, "minute": 3, "second": 53}
